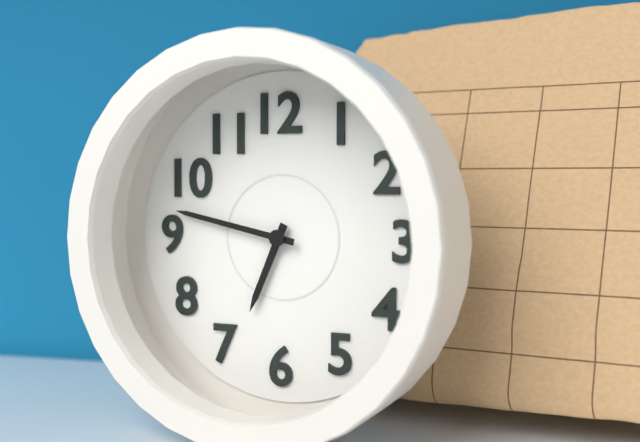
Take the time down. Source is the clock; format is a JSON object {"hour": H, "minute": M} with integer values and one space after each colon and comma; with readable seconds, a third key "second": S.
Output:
{"hour": 6, "minute": 47}
